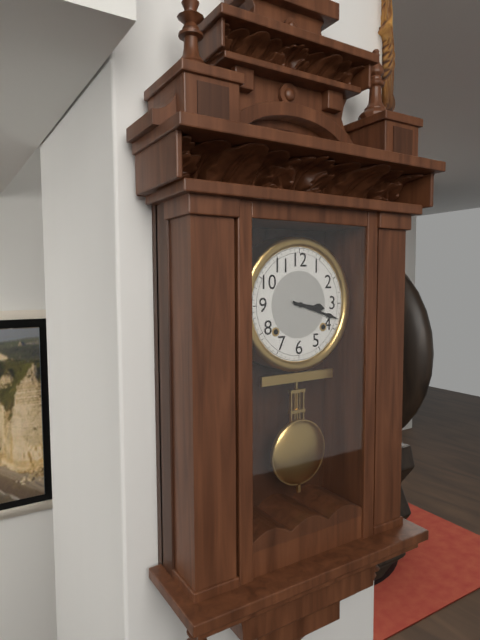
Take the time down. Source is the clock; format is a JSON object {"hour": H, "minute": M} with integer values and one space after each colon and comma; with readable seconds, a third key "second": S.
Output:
{"hour": 3, "minute": 18}
